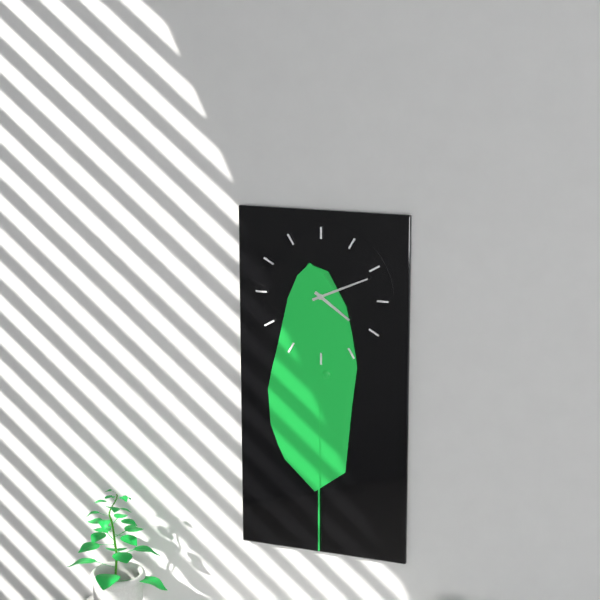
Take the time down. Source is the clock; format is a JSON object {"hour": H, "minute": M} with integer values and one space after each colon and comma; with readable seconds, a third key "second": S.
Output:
{"hour": 4, "minute": 11}
